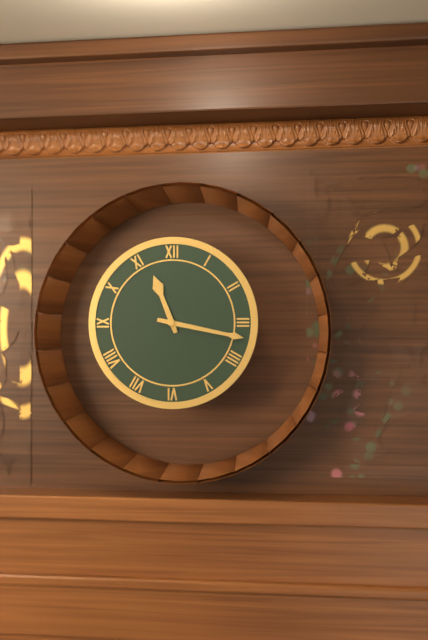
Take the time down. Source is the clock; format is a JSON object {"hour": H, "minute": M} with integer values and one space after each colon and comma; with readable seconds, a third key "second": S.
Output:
{"hour": 11, "minute": 17}
